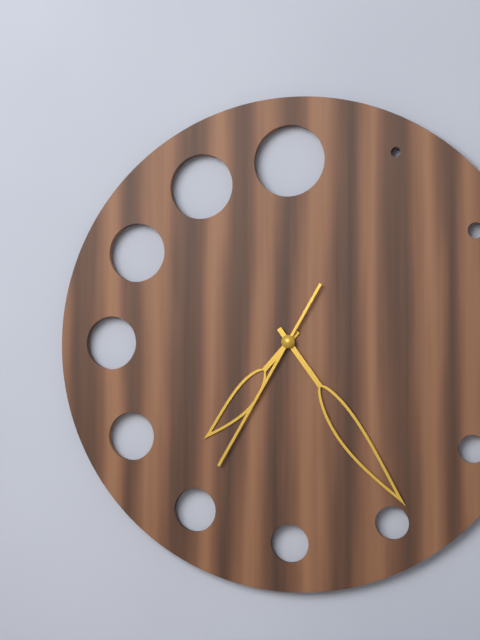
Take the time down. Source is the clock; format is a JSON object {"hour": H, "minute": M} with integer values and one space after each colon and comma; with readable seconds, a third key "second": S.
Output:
{"hour": 7, "minute": 24, "second": 35}
